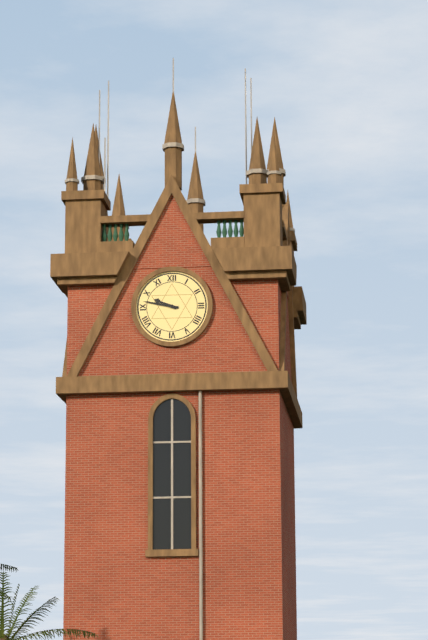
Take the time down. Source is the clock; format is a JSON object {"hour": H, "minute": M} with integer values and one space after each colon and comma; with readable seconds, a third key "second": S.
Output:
{"hour": 9, "minute": 47}
